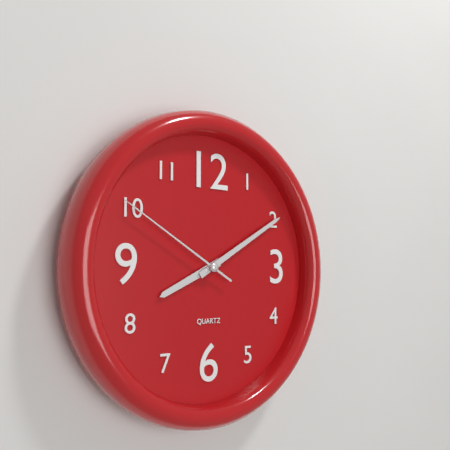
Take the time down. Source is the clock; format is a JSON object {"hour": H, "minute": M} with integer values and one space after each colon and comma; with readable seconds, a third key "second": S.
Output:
{"hour": 8, "minute": 10, "second": 50}
